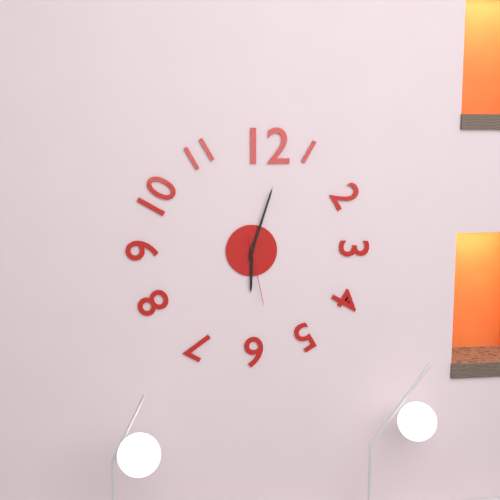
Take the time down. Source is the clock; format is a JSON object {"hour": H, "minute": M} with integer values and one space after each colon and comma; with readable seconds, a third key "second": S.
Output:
{"hour": 6, "minute": 3, "second": 28}
